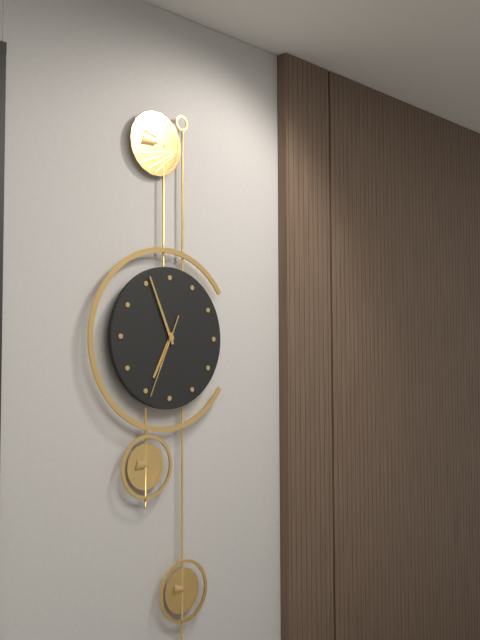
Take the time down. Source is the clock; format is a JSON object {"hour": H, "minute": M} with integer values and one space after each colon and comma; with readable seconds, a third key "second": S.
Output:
{"hour": 6, "minute": 56, "second": 34}
